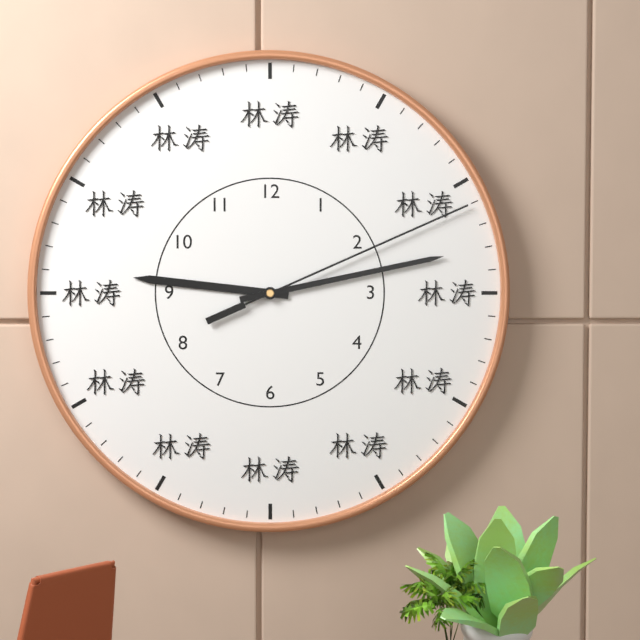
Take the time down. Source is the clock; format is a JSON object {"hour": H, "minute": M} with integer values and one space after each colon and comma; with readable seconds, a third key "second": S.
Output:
{"hour": 9, "minute": 13, "second": 11}
